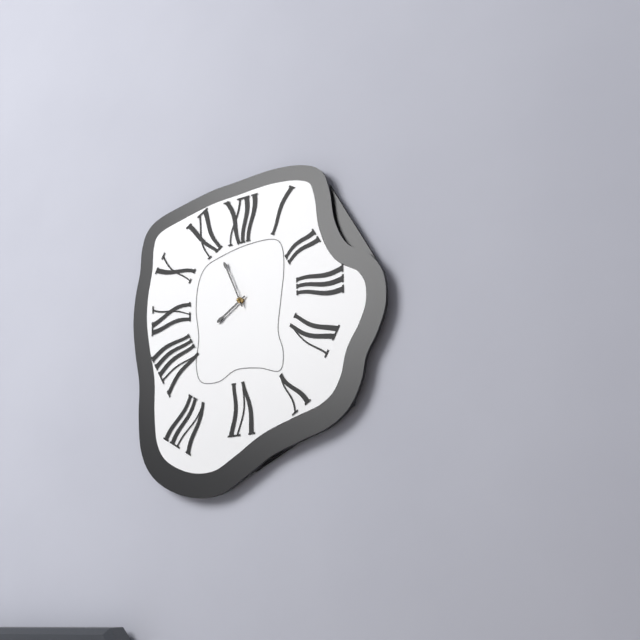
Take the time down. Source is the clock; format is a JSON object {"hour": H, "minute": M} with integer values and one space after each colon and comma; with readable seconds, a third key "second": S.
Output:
{"hour": 7, "minute": 56}
